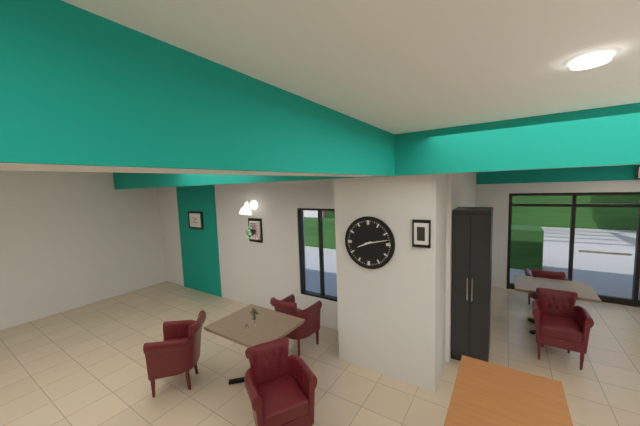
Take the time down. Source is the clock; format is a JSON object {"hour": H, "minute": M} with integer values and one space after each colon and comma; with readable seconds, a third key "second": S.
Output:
{"hour": 8, "minute": 13}
